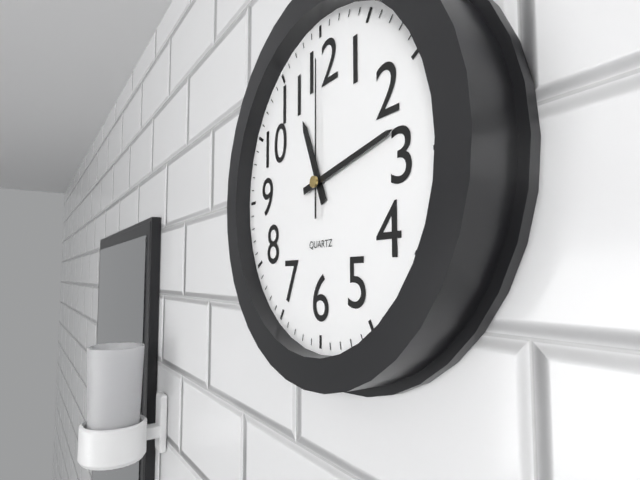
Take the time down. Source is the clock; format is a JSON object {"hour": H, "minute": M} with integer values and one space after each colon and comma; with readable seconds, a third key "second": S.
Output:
{"hour": 11, "minute": 13, "second": 0}
